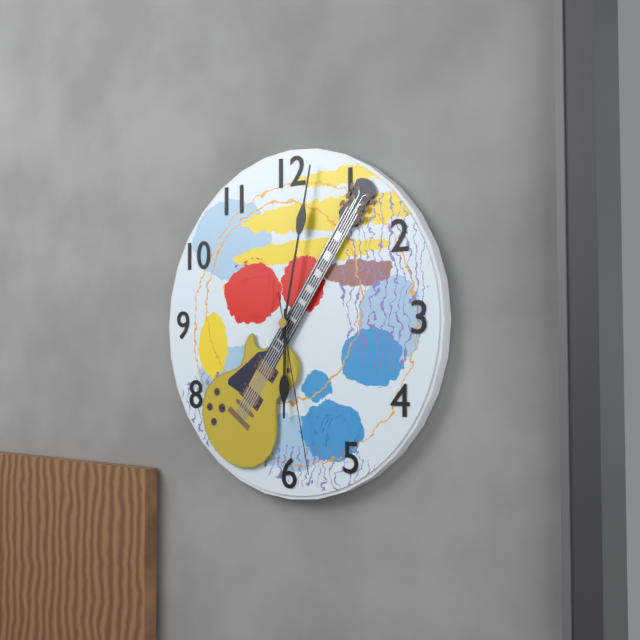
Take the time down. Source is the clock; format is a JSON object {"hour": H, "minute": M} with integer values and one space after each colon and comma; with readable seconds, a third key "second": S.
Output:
{"hour": 6, "minute": 2, "second": 28}
